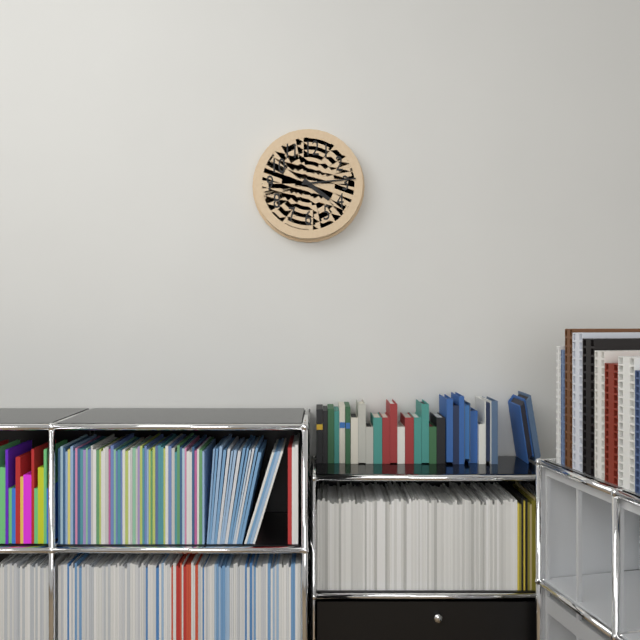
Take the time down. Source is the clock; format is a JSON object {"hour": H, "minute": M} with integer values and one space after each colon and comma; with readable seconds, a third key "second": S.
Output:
{"hour": 4, "minute": 14}
